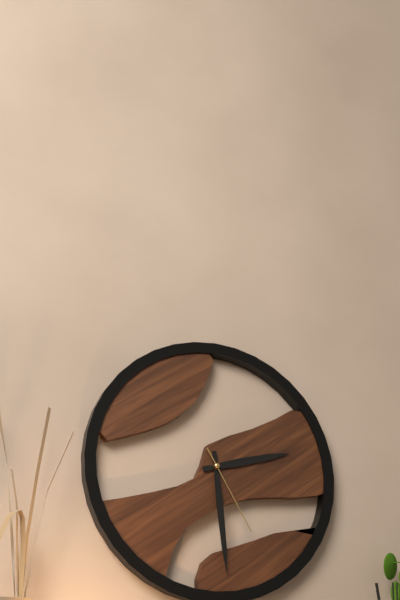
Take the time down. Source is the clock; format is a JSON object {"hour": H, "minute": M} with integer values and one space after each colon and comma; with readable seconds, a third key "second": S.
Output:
{"hour": 2, "minute": 29, "second": 25}
